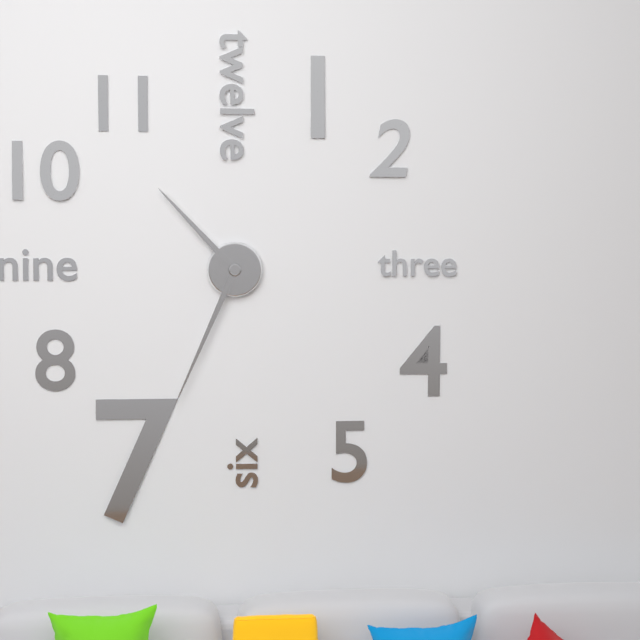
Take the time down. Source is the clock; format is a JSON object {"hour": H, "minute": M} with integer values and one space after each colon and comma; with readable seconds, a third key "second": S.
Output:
{"hour": 10, "minute": 34}
